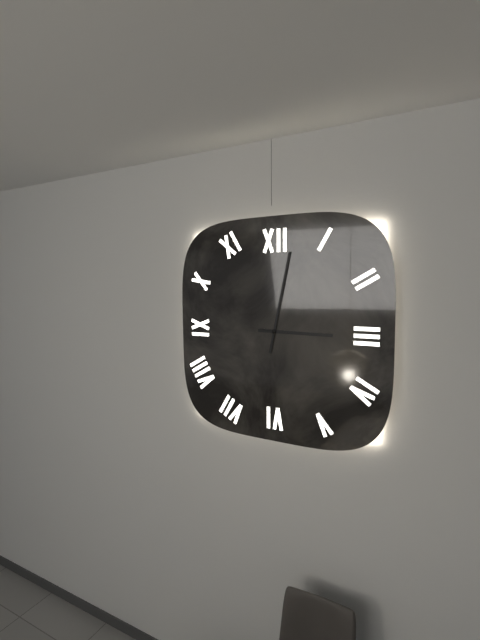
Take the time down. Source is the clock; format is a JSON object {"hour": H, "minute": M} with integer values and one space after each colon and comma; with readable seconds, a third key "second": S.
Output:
{"hour": 3, "minute": 2}
